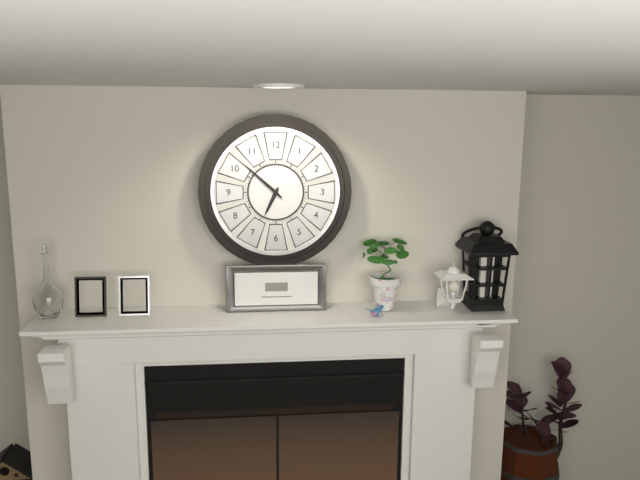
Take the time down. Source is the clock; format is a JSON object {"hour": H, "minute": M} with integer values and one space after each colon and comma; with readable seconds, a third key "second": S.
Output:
{"hour": 6, "minute": 52}
